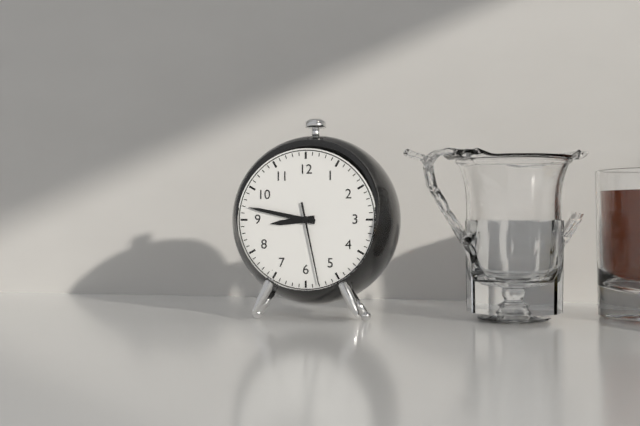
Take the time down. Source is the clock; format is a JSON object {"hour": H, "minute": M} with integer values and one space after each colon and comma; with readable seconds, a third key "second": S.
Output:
{"hour": 8, "minute": 47, "second": 28}
